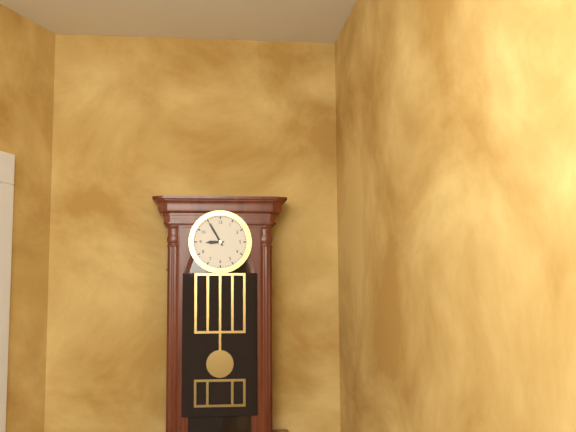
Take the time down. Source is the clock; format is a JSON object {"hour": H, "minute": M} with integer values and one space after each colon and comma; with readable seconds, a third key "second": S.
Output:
{"hour": 8, "minute": 55}
